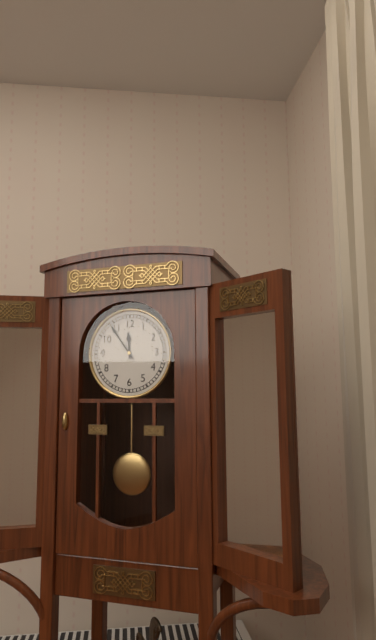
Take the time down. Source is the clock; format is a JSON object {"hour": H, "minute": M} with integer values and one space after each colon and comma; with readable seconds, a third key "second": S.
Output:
{"hour": 11, "minute": 54}
